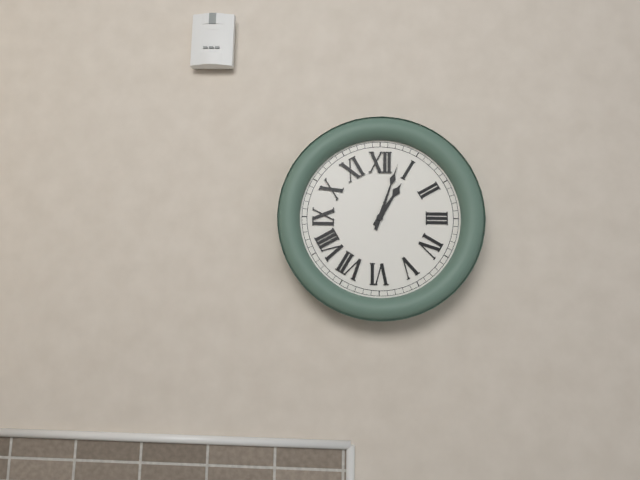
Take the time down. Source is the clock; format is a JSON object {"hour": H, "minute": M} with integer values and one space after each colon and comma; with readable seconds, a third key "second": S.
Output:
{"hour": 1, "minute": 3}
